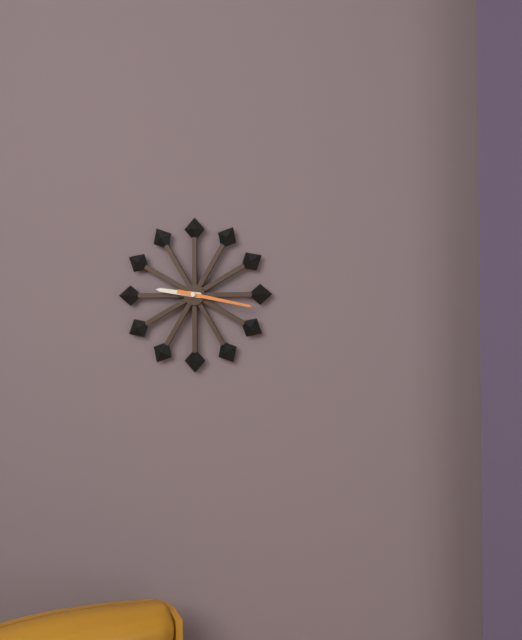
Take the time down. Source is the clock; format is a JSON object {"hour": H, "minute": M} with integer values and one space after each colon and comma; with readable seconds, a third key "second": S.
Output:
{"hour": 9, "minute": 17}
